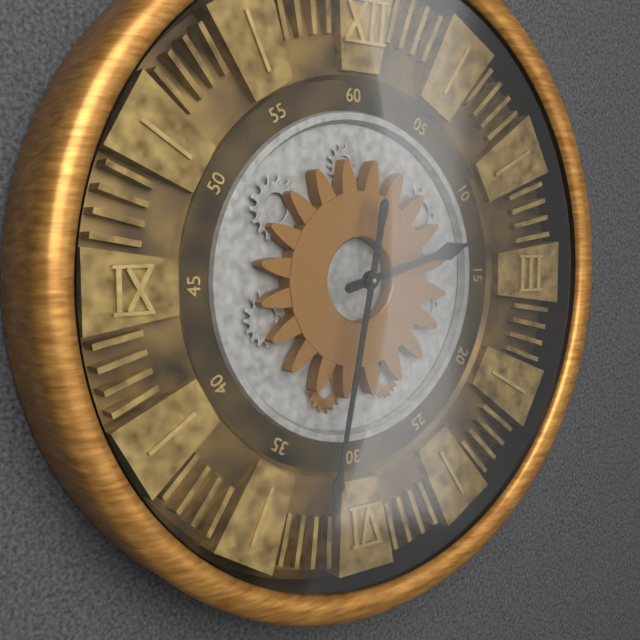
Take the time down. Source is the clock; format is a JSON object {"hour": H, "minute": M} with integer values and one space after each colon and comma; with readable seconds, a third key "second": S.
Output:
{"hour": 2, "minute": 32}
